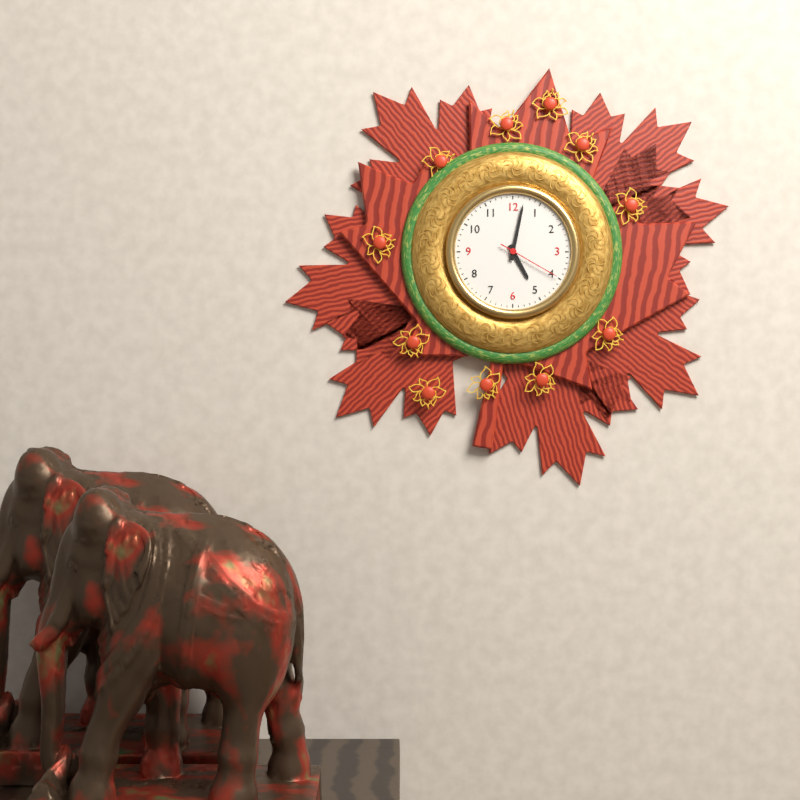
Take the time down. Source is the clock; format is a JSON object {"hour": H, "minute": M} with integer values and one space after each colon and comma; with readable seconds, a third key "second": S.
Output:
{"hour": 5, "minute": 2, "second": 20}
